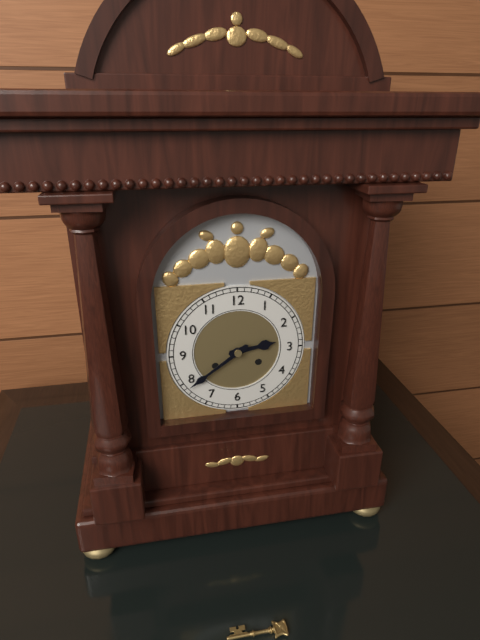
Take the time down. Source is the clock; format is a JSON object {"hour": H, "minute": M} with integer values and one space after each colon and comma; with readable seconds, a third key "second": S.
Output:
{"hour": 2, "minute": 39}
